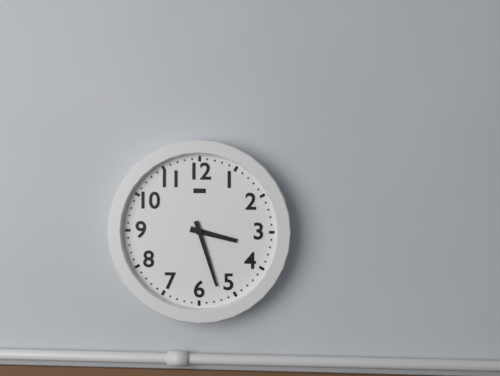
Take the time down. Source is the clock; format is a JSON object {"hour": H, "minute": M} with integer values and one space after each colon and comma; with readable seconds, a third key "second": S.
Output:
{"hour": 3, "minute": 27}
